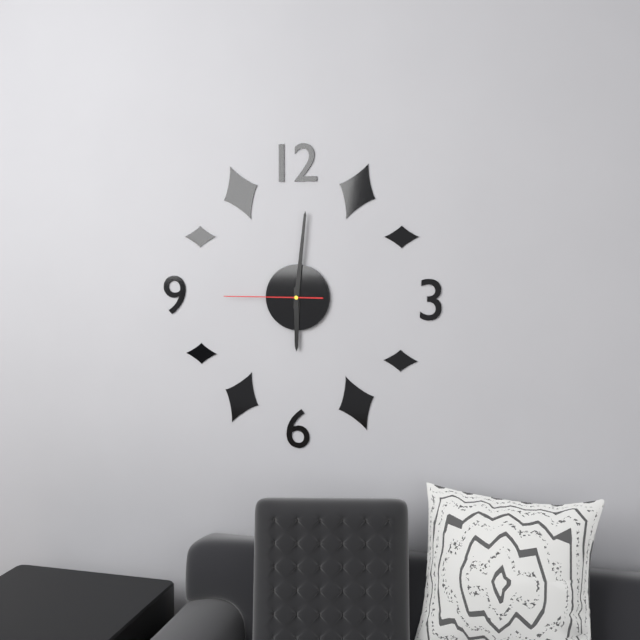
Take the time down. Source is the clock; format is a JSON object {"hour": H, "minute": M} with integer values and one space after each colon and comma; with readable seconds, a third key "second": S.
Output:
{"hour": 6, "minute": 1, "second": 45}
